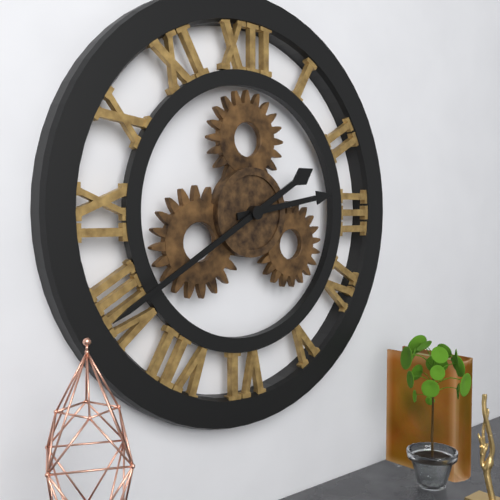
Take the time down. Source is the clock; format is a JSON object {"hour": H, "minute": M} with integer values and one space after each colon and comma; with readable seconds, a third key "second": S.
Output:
{"hour": 2, "minute": 40}
